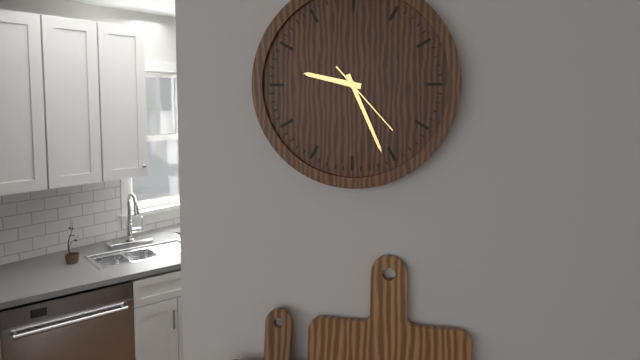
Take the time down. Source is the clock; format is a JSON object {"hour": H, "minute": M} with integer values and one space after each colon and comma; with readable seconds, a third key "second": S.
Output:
{"hour": 9, "minute": 26, "second": 23}
